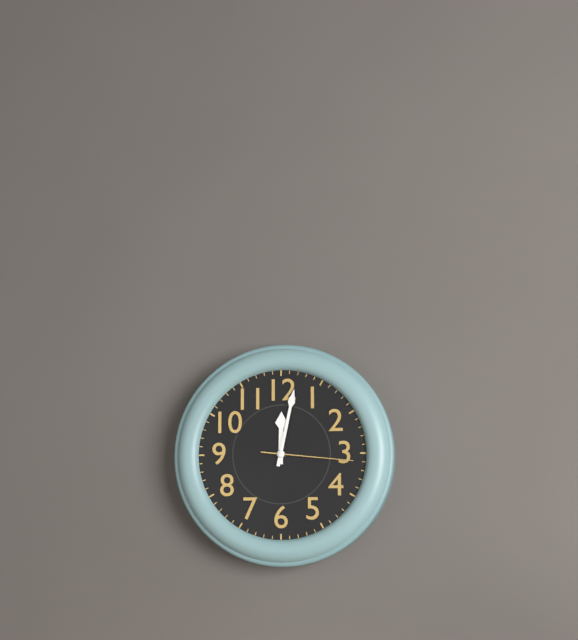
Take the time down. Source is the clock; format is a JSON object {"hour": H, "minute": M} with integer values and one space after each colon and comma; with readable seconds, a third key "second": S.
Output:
{"hour": 12, "minute": 2, "second": 16}
